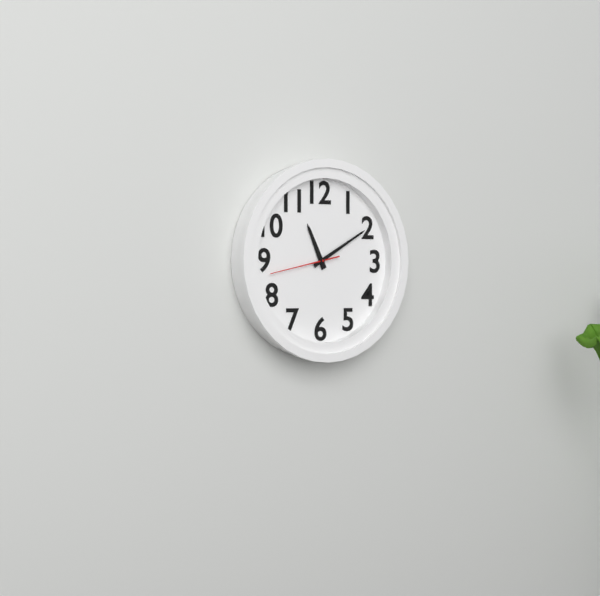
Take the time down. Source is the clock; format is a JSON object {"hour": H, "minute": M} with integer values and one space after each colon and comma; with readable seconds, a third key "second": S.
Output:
{"hour": 11, "minute": 10, "second": 43}
